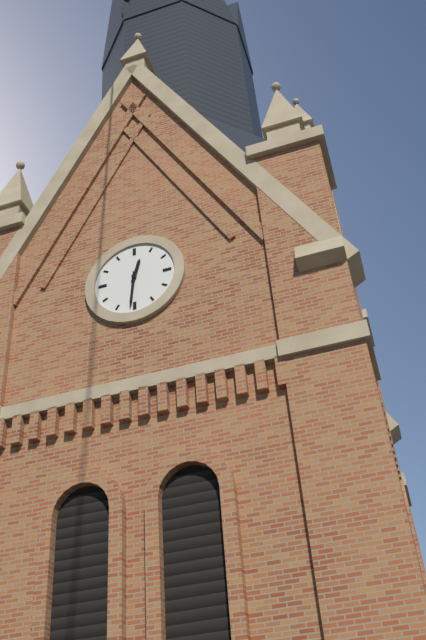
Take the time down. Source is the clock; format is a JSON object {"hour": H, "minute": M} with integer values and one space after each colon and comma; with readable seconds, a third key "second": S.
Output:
{"hour": 12, "minute": 31}
